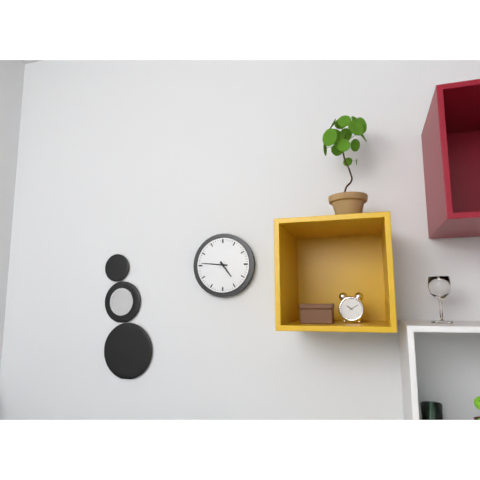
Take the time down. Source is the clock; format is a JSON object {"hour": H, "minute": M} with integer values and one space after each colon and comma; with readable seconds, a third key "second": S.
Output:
{"hour": 4, "minute": 46}
